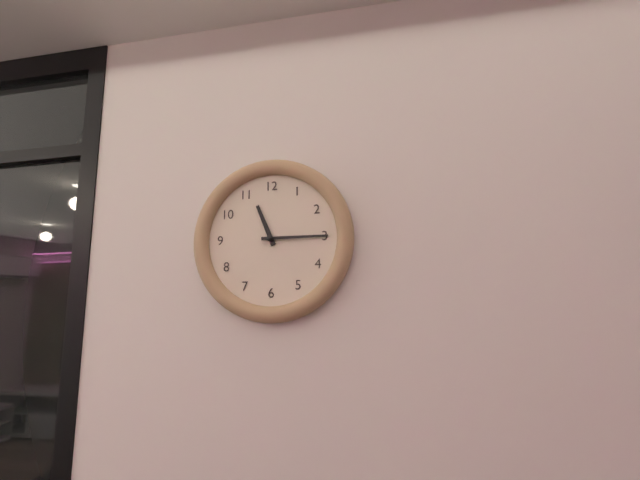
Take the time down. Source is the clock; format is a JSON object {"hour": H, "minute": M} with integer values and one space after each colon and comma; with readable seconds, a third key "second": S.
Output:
{"hour": 11, "minute": 15}
